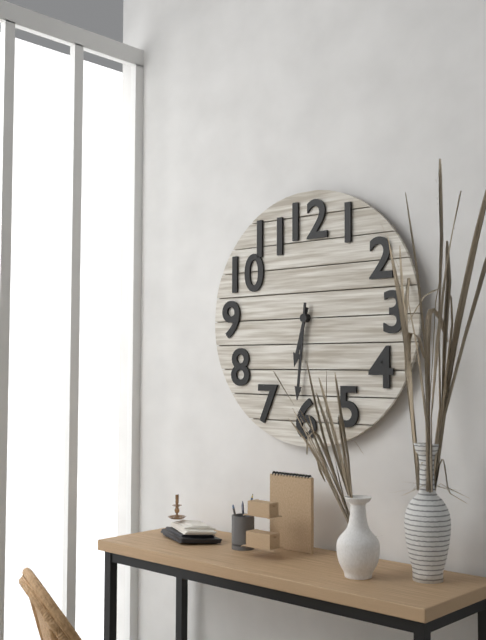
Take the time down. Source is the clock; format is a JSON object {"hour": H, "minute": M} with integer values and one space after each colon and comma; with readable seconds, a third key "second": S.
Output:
{"hour": 6, "minute": 31}
